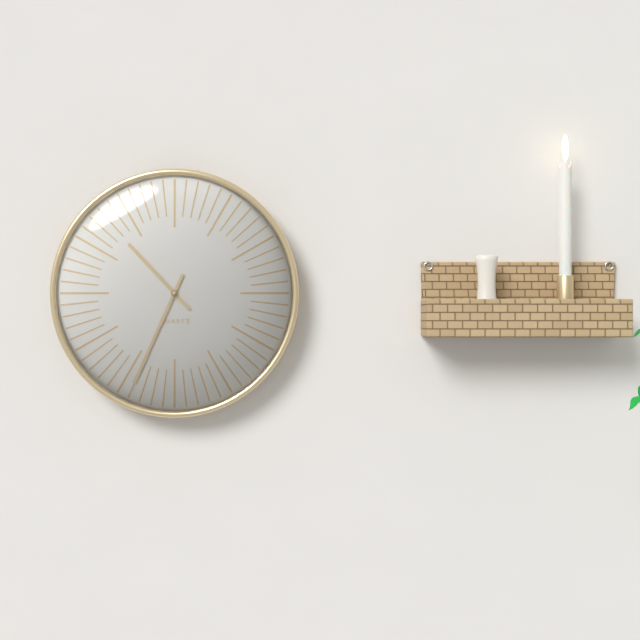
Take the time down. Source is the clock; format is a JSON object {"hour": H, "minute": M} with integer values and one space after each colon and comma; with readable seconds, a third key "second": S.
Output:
{"hour": 10, "minute": 34}
